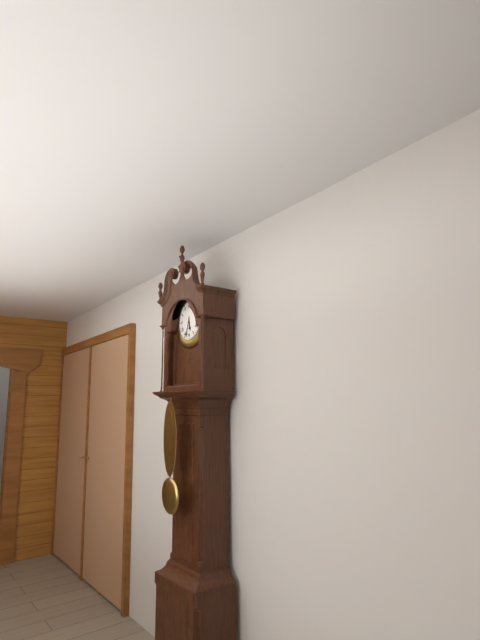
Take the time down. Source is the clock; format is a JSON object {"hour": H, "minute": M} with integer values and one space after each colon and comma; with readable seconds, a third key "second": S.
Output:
{"hour": 5, "minute": 33}
